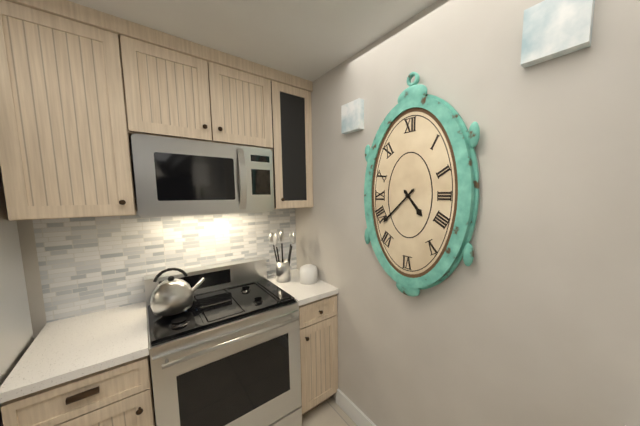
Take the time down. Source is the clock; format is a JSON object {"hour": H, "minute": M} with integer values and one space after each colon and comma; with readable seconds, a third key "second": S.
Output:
{"hour": 4, "minute": 38}
